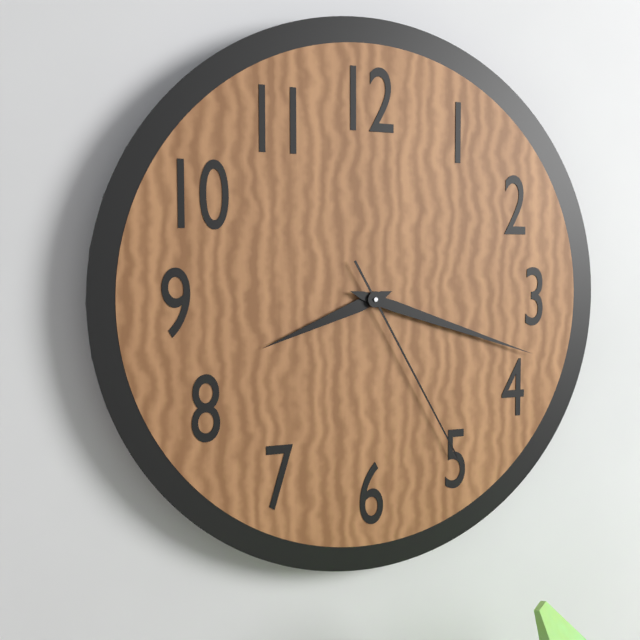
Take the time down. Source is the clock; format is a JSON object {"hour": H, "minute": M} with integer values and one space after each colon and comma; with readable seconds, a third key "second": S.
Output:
{"hour": 8, "minute": 18, "second": 25}
